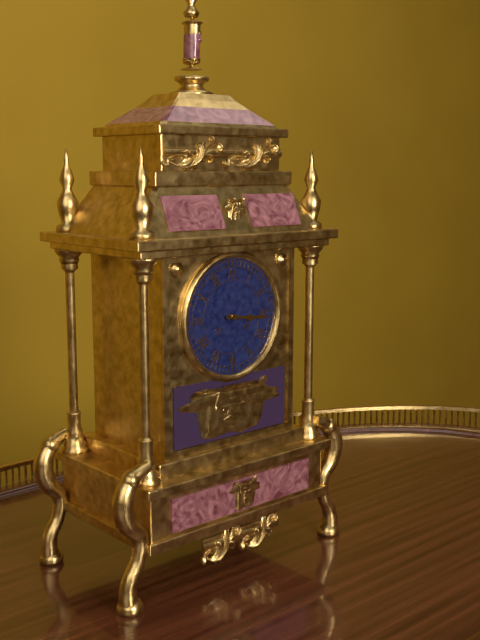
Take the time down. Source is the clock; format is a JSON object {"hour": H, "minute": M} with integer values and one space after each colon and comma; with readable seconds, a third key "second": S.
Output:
{"hour": 3, "minute": 16}
